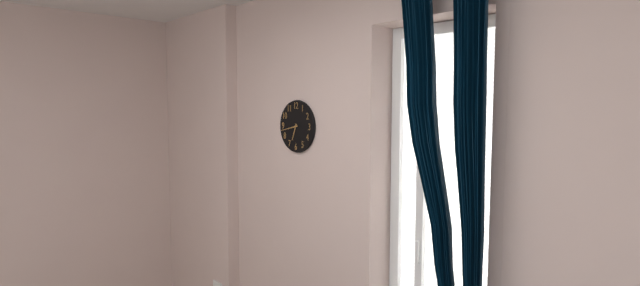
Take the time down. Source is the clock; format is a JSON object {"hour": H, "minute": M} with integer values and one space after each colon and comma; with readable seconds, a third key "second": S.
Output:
{"hour": 6, "minute": 43}
